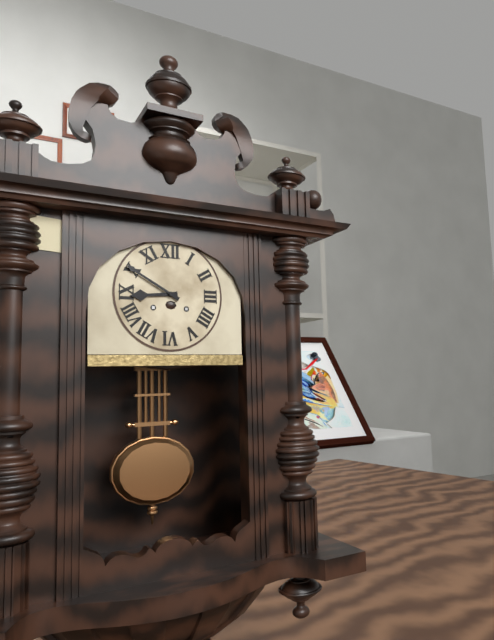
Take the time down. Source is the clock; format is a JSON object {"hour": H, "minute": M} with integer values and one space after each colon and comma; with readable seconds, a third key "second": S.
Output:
{"hour": 8, "minute": 50}
